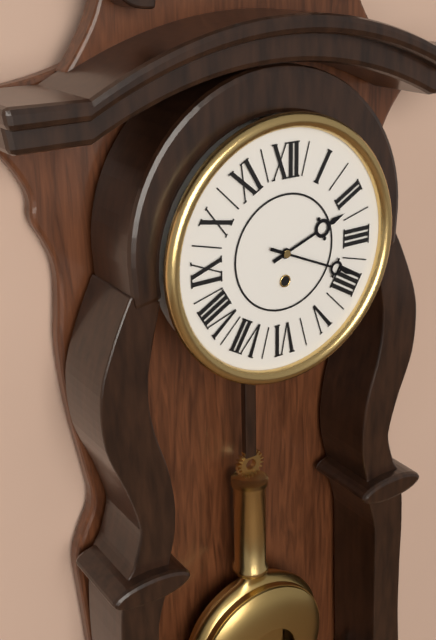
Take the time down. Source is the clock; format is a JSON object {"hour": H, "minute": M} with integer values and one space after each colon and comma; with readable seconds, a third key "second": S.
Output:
{"hour": 2, "minute": 19}
